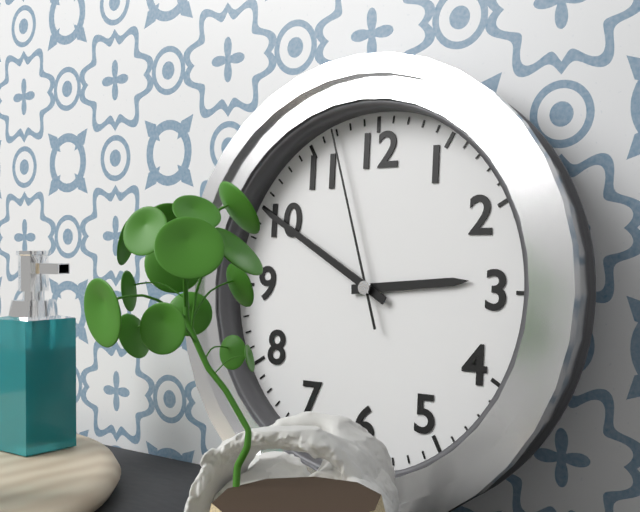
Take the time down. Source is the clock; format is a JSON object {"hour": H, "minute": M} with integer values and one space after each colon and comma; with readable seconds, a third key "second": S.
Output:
{"hour": 2, "minute": 50, "second": 57}
